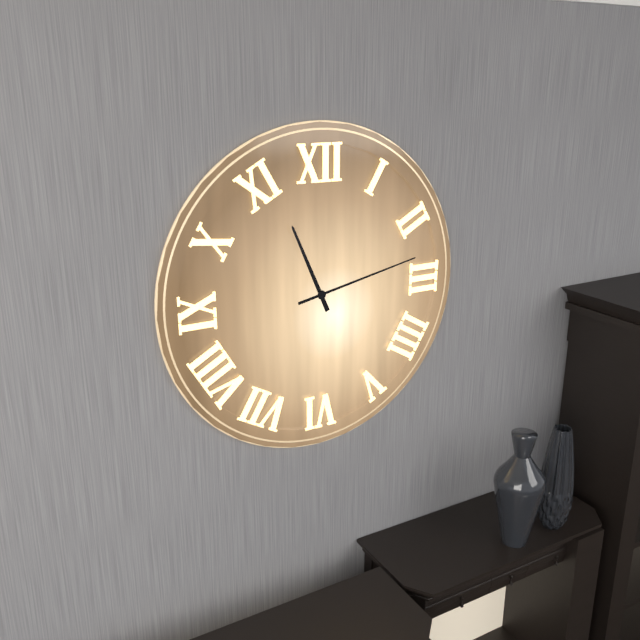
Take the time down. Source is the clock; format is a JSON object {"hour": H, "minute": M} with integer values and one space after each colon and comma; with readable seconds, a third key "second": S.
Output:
{"hour": 11, "minute": 13}
